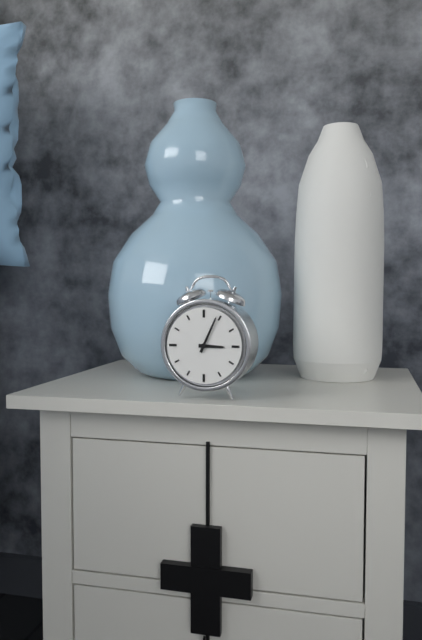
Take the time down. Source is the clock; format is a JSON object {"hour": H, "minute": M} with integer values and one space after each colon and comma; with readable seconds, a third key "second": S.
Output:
{"hour": 3, "minute": 4}
